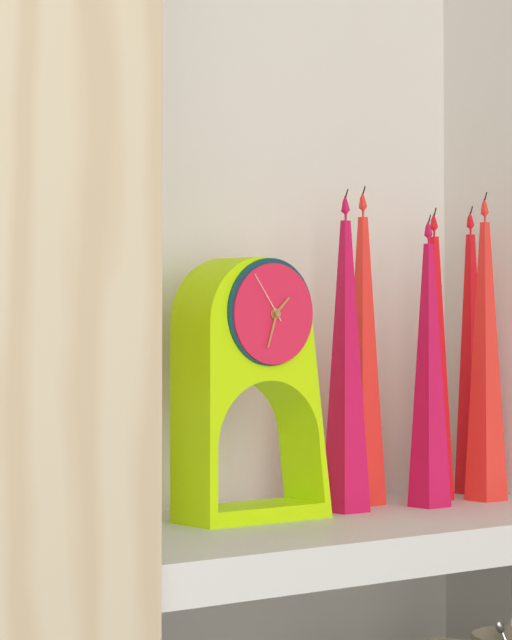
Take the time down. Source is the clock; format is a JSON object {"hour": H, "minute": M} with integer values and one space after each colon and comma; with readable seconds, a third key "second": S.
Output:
{"hour": 1, "minute": 33, "second": 54}
